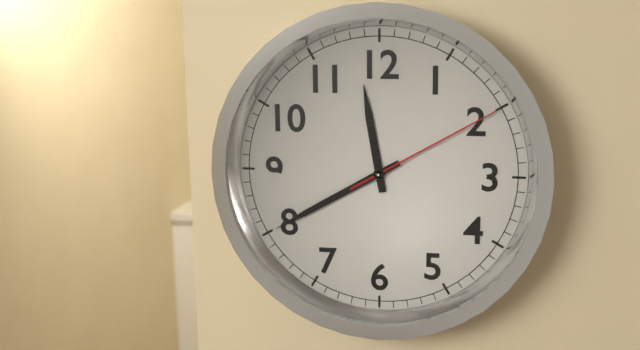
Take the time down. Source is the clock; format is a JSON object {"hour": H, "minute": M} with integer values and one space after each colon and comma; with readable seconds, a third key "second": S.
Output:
{"hour": 11, "minute": 40, "second": 10}
